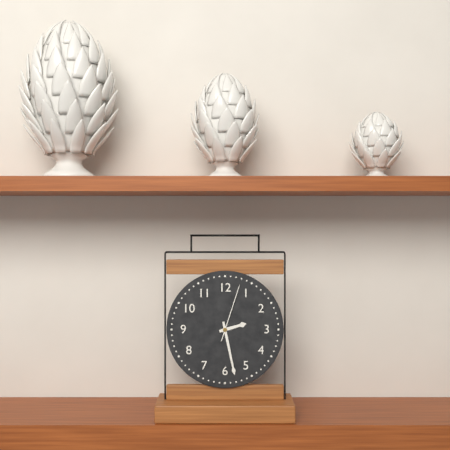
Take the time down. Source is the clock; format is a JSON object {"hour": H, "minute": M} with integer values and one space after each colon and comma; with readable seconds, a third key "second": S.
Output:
{"hour": 2, "minute": 28, "second": 3}
